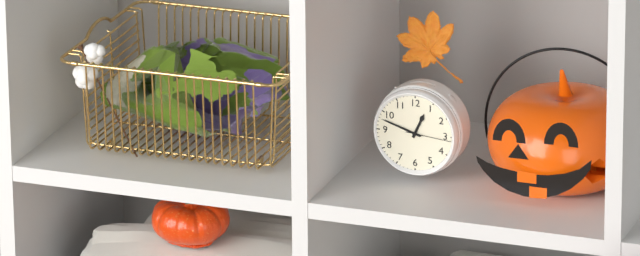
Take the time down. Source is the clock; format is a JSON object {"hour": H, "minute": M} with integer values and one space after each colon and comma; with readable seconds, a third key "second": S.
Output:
{"hour": 12, "minute": 48}
